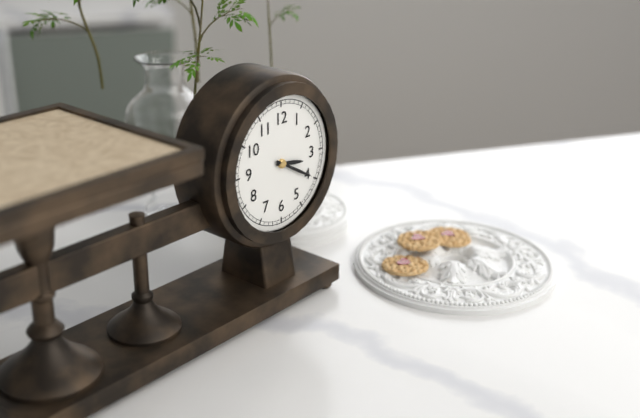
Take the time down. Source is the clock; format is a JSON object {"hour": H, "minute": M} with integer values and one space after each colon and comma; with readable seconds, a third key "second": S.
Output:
{"hour": 3, "minute": 20}
